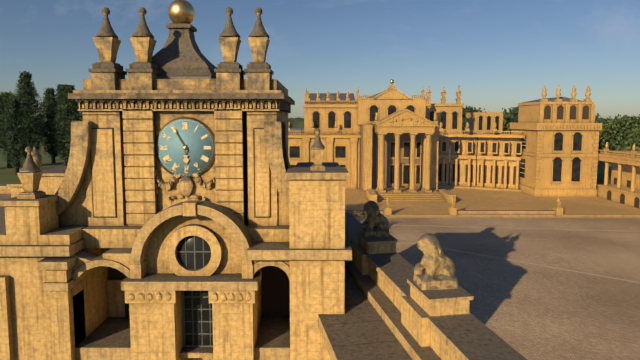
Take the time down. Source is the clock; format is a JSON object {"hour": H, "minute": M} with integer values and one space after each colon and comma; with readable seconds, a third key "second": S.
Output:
{"hour": 5, "minute": 55}
